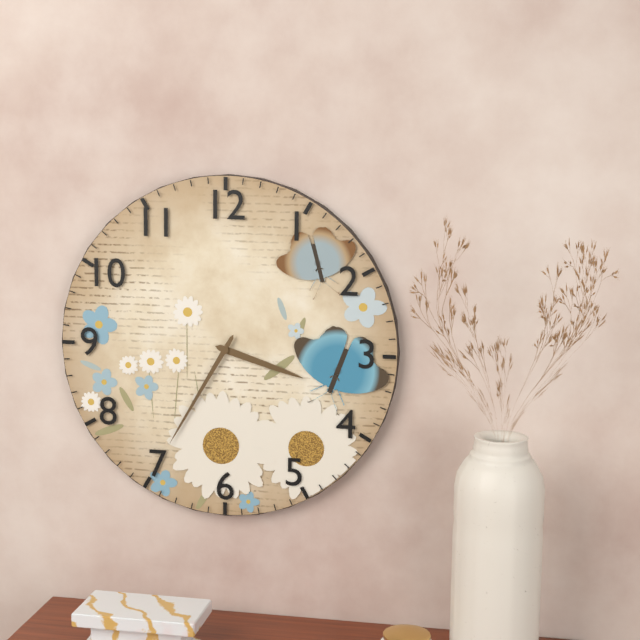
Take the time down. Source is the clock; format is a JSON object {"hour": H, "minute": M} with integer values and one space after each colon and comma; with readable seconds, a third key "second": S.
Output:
{"hour": 3, "minute": 35}
